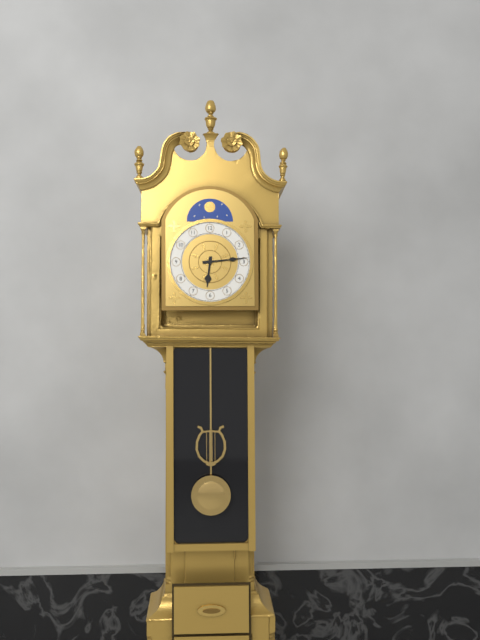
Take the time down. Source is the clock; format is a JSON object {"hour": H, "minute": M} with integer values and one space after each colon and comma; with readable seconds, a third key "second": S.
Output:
{"hour": 6, "minute": 14}
